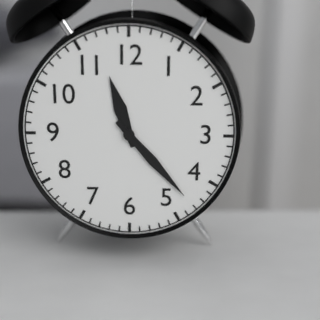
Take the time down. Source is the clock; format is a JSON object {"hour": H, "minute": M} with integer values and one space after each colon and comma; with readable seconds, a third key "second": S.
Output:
{"hour": 11, "minute": 23}
